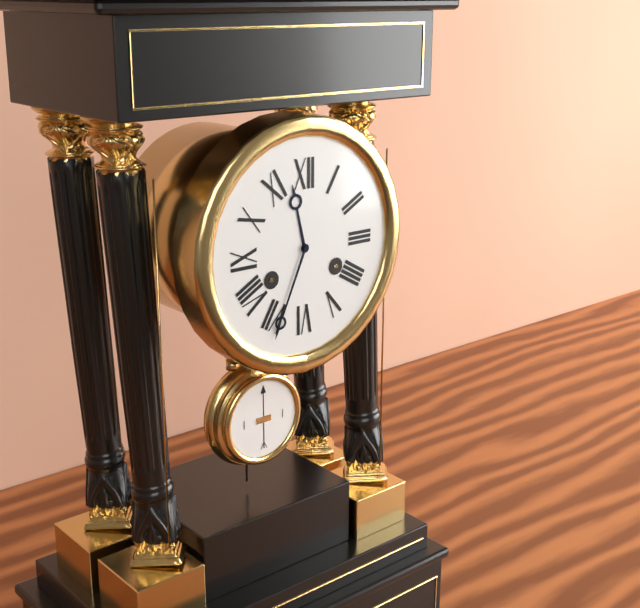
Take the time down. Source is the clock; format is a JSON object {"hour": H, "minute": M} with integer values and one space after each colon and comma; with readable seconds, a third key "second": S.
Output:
{"hour": 11, "minute": 34}
